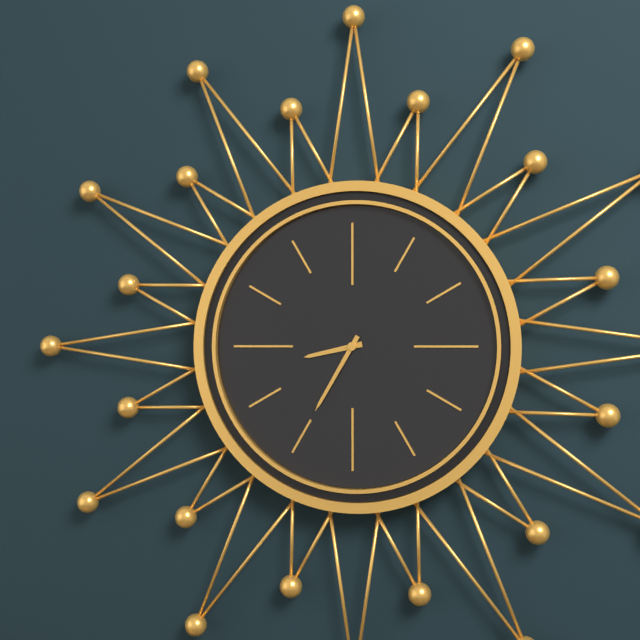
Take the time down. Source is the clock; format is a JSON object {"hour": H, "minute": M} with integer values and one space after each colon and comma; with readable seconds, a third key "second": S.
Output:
{"hour": 8, "minute": 35}
